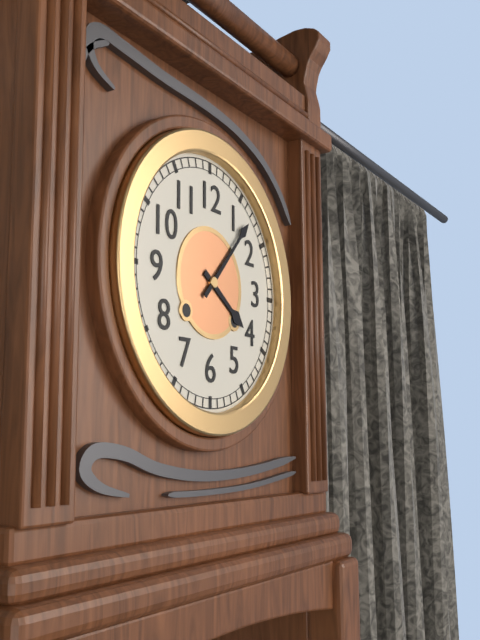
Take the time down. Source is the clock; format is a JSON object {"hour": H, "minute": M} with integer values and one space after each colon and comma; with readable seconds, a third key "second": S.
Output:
{"hour": 4, "minute": 7}
